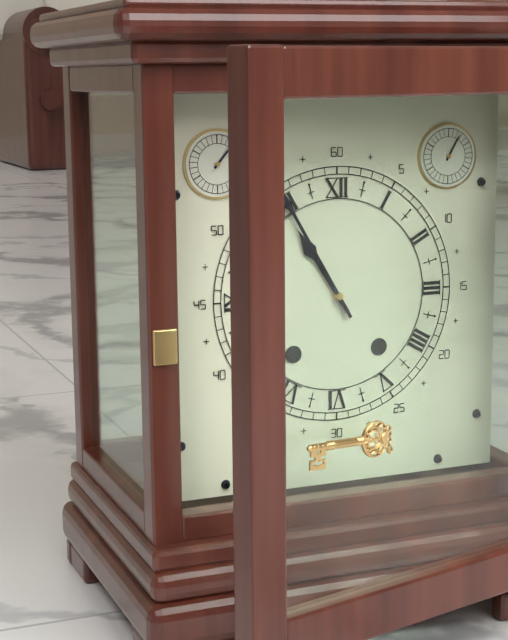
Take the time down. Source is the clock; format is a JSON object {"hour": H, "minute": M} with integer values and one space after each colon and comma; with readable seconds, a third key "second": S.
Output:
{"hour": 10, "minute": 55}
